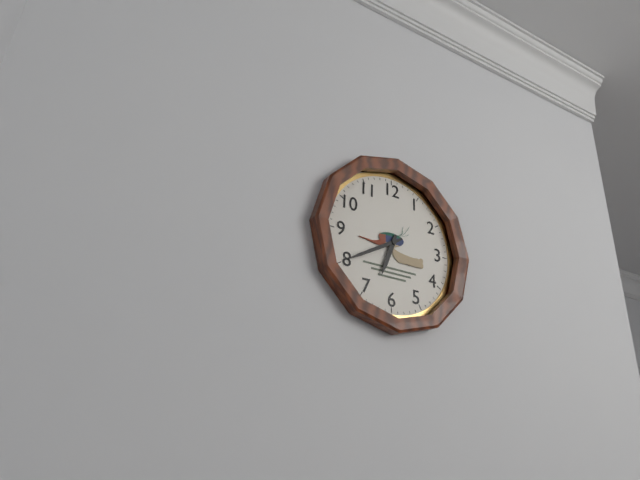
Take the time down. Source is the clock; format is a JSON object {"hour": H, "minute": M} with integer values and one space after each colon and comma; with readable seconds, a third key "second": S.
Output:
{"hour": 6, "minute": 40}
